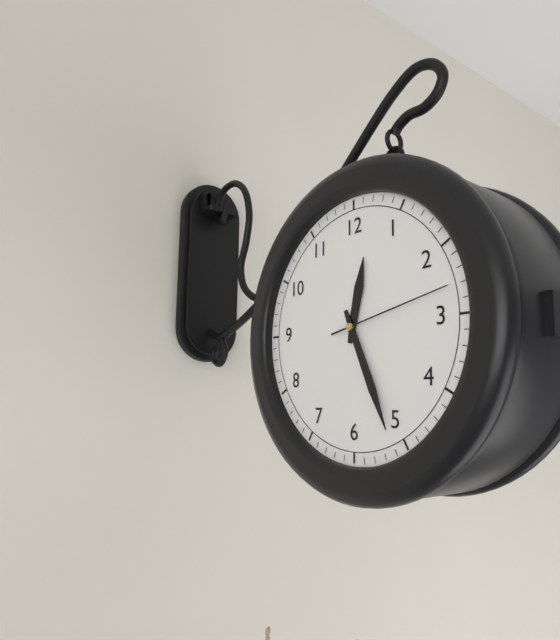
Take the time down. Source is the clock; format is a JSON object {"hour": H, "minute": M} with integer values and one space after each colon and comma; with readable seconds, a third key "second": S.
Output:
{"hour": 12, "minute": 26, "second": 13}
